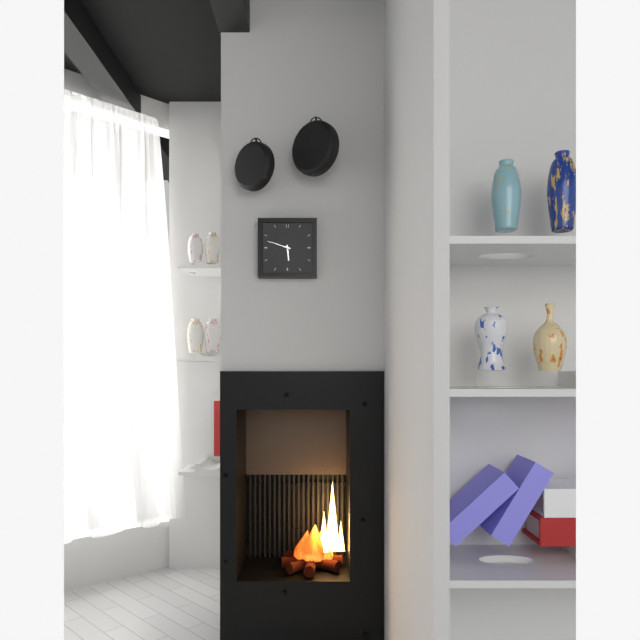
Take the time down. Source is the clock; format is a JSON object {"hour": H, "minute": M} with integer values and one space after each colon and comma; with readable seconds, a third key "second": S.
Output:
{"hour": 5, "minute": 48}
